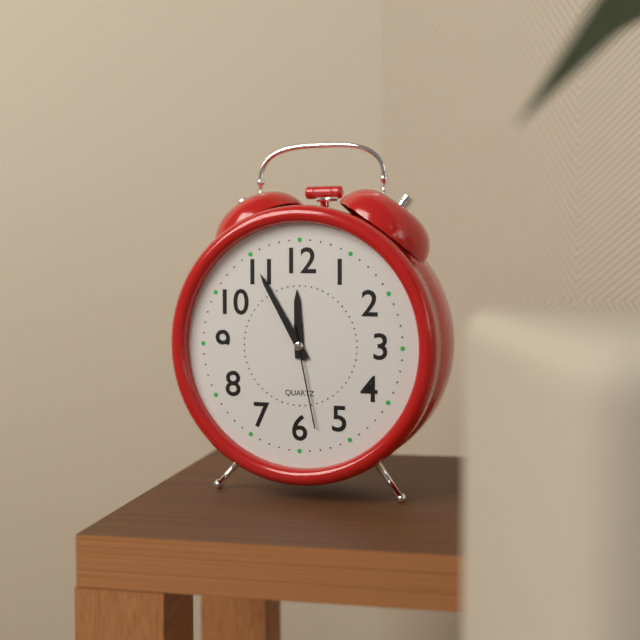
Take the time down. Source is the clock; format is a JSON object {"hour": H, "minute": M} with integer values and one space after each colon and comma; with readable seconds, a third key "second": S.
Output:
{"hour": 11, "minute": 55, "second": 28}
